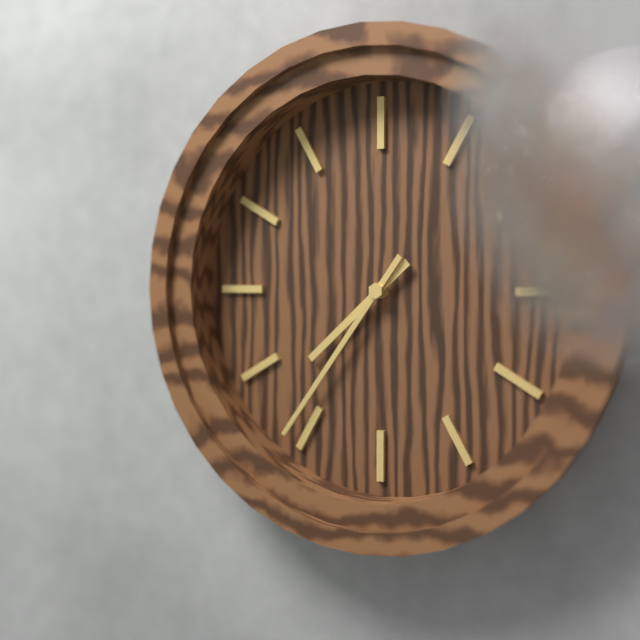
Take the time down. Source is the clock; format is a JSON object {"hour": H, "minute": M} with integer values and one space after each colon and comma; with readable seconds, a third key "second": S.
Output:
{"hour": 7, "minute": 36}
